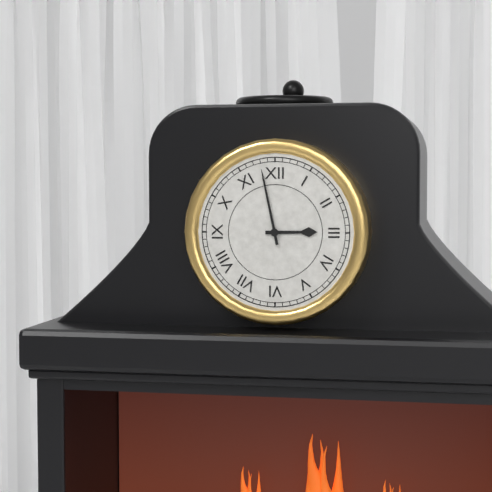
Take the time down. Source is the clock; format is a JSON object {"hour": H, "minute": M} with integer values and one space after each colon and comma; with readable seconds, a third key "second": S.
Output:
{"hour": 2, "minute": 58}
